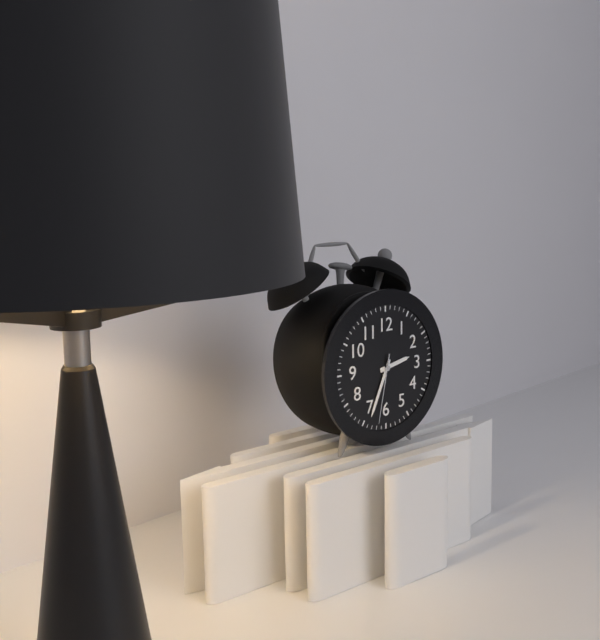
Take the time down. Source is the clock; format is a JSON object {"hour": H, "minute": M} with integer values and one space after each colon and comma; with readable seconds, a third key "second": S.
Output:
{"hour": 2, "minute": 34, "second": 32}
